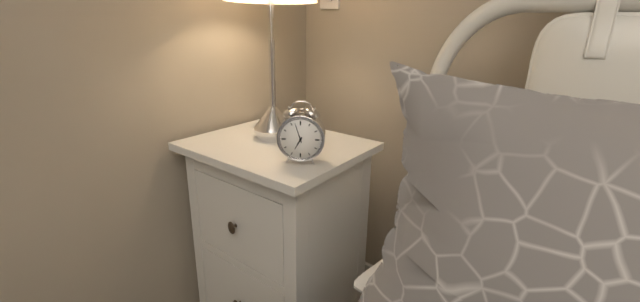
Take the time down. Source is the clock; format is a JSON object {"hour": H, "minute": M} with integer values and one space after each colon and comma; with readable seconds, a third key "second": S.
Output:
{"hour": 6, "minute": 57}
